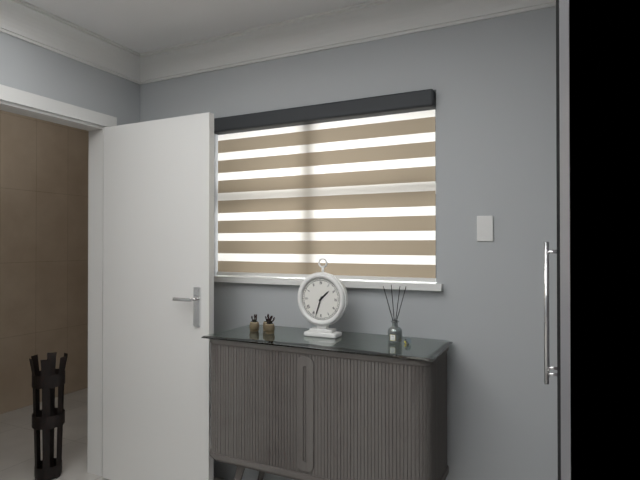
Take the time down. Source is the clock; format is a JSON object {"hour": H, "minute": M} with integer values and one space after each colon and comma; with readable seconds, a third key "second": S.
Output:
{"hour": 1, "minute": 33}
